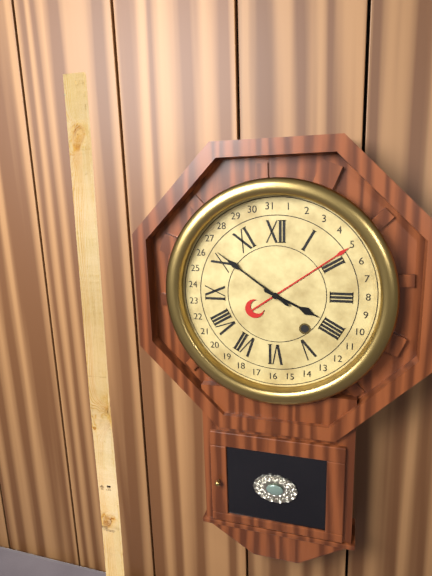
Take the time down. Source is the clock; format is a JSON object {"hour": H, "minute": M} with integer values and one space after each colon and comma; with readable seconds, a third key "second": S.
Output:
{"hour": 3, "minute": 51}
